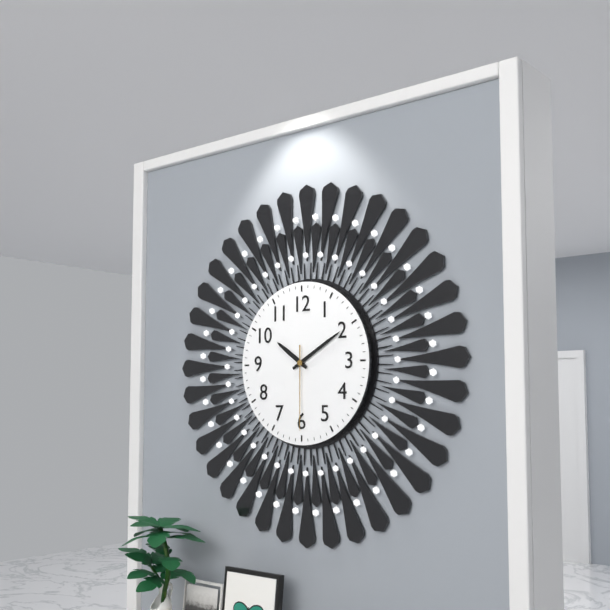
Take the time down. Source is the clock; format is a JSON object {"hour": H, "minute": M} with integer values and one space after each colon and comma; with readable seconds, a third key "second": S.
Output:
{"hour": 10, "minute": 10, "second": 30}
